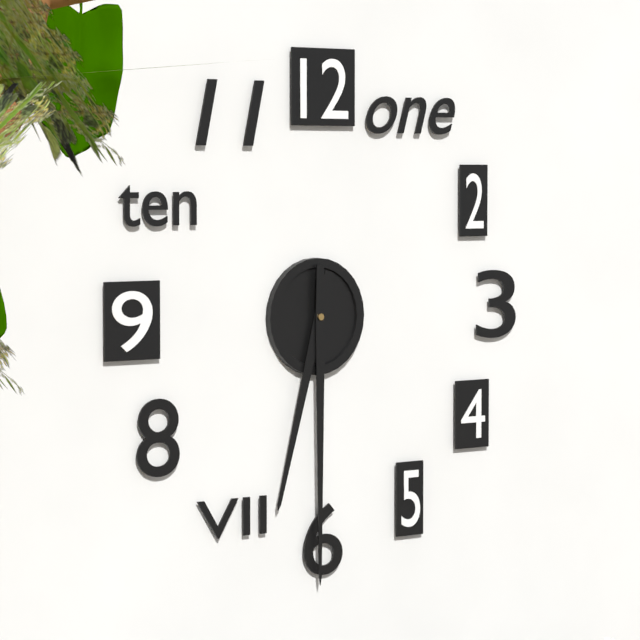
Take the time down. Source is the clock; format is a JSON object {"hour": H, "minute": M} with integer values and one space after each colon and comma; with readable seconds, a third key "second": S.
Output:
{"hour": 6, "minute": 30}
